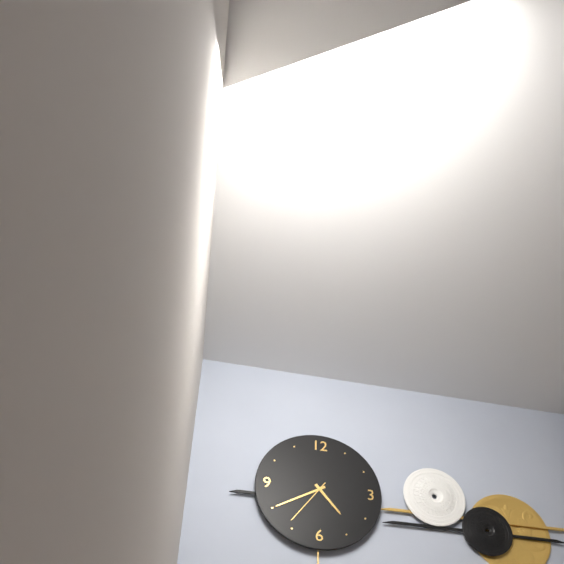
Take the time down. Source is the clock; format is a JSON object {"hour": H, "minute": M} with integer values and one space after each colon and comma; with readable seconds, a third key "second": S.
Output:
{"hour": 4, "minute": 40, "second": 36}
